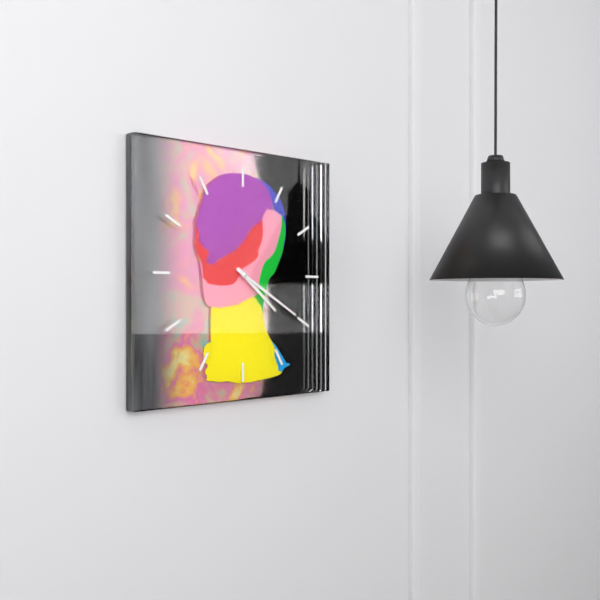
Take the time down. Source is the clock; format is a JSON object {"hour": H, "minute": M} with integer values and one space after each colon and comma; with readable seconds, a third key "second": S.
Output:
{"hour": 4, "minute": 20}
